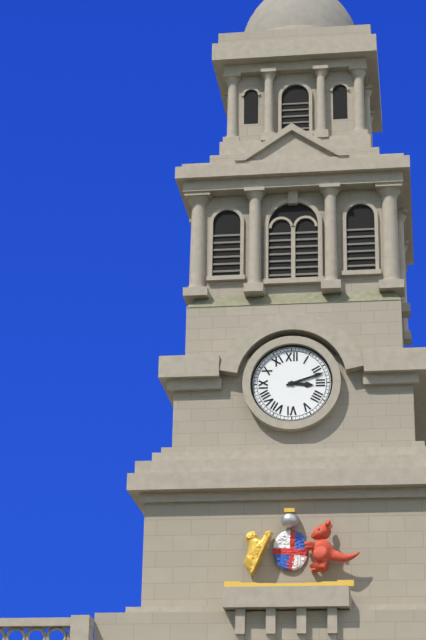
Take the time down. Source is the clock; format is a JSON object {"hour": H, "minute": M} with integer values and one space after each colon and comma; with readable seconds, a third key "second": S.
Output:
{"hour": 3, "minute": 12}
